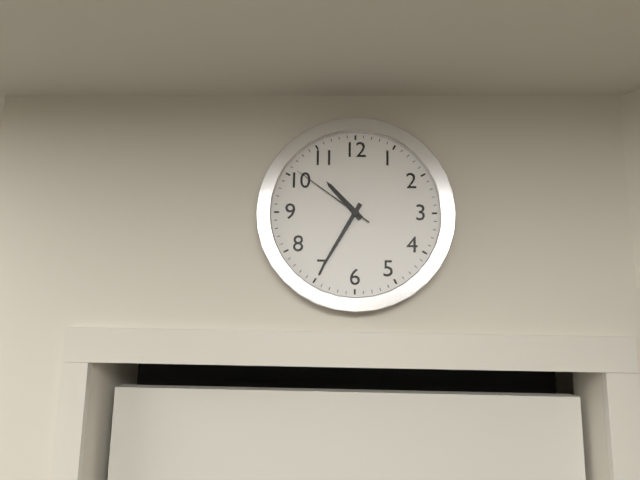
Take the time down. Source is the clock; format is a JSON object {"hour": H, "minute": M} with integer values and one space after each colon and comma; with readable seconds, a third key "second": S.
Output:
{"hour": 10, "minute": 35, "second": 51}
